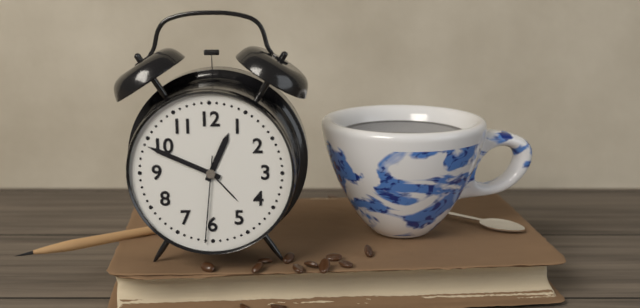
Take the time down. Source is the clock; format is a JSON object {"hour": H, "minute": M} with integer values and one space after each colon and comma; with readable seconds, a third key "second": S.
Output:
{"hour": 12, "minute": 49, "second": 31}
